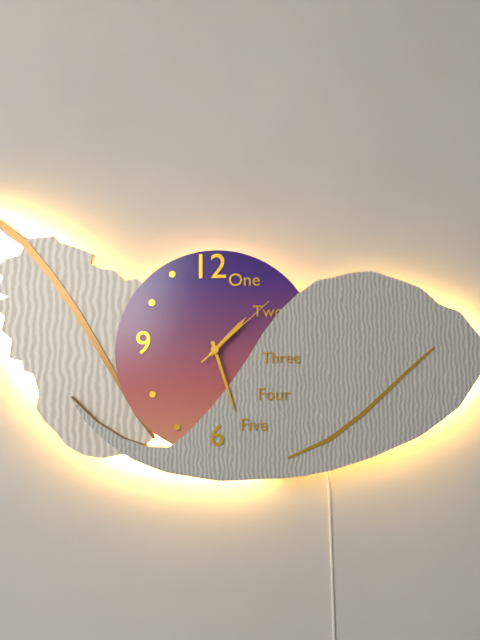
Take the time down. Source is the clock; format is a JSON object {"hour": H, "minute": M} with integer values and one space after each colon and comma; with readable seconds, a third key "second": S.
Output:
{"hour": 1, "minute": 27, "second": 8}
